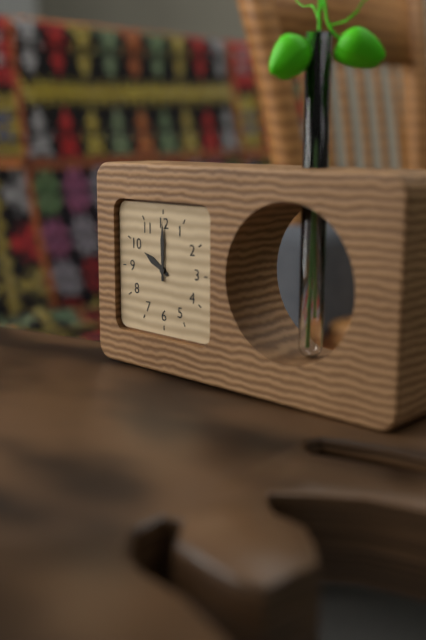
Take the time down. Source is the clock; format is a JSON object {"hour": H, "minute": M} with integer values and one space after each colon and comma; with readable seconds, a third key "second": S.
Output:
{"hour": 10, "minute": 0}
